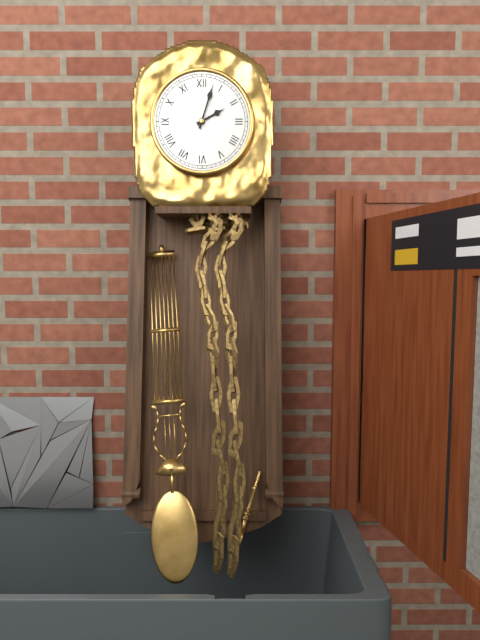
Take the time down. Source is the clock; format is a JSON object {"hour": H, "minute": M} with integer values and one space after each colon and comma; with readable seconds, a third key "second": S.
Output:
{"hour": 2, "minute": 3}
